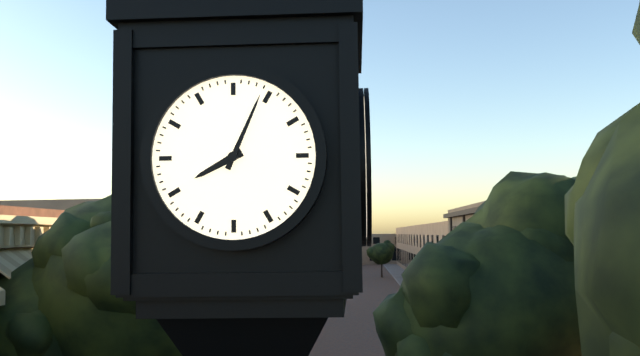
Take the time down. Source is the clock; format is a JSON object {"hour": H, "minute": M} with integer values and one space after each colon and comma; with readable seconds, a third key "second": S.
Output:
{"hour": 8, "minute": 4}
